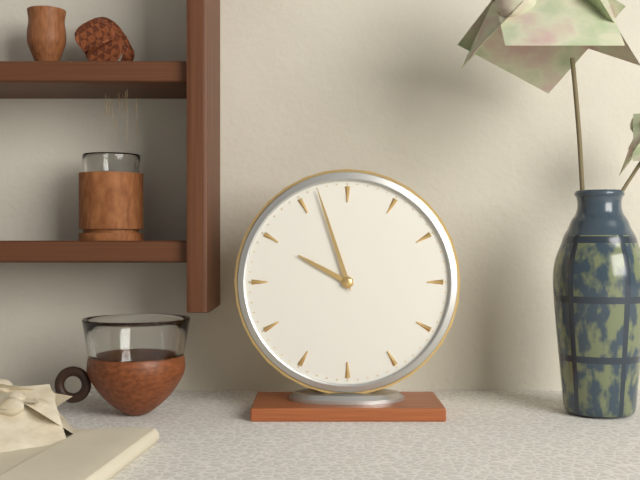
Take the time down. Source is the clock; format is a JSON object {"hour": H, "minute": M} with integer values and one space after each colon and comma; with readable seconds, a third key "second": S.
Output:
{"hour": 9, "minute": 57}
